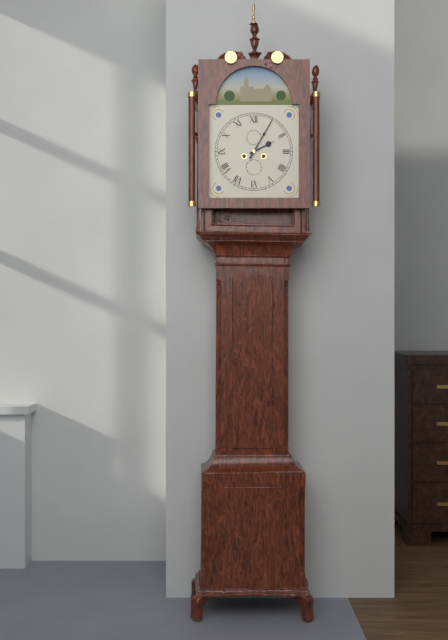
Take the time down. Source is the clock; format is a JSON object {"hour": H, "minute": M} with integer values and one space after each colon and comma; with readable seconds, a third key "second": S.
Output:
{"hour": 2, "minute": 5}
